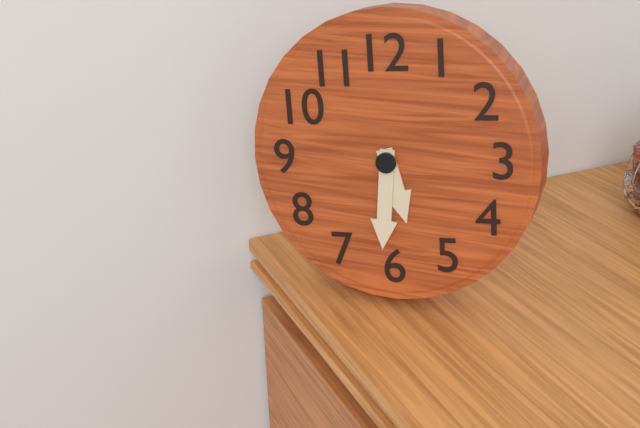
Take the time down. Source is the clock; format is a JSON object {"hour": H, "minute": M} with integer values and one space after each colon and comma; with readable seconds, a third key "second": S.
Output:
{"hour": 5, "minute": 31}
